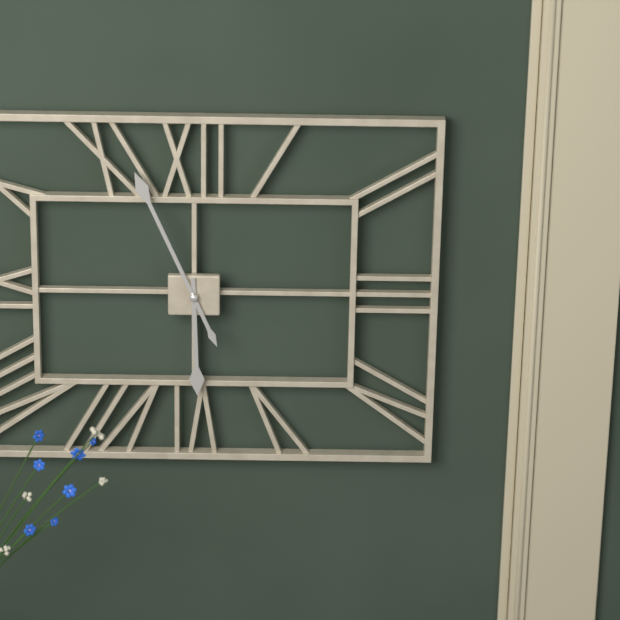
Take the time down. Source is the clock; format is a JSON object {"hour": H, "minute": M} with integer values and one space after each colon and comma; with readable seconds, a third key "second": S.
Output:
{"hour": 5, "minute": 56}
